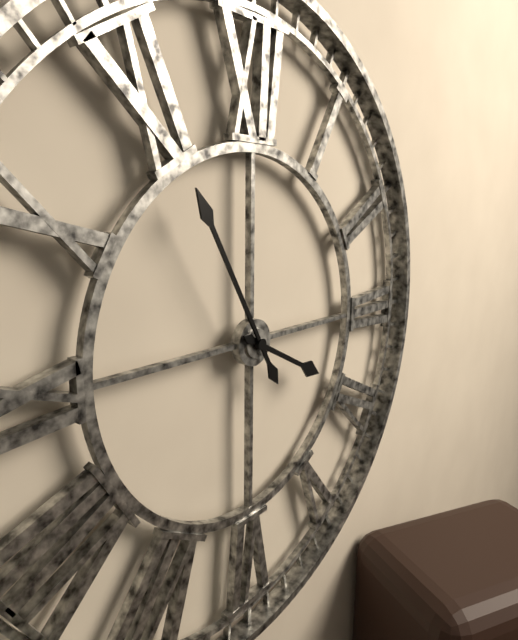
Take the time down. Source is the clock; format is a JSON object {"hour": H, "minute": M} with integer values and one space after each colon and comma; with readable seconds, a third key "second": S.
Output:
{"hour": 3, "minute": 55}
